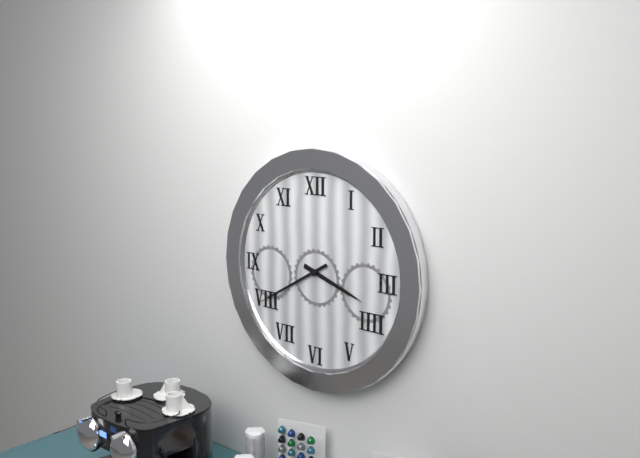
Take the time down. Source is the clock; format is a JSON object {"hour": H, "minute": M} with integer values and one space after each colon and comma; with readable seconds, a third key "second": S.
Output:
{"hour": 3, "minute": 40}
